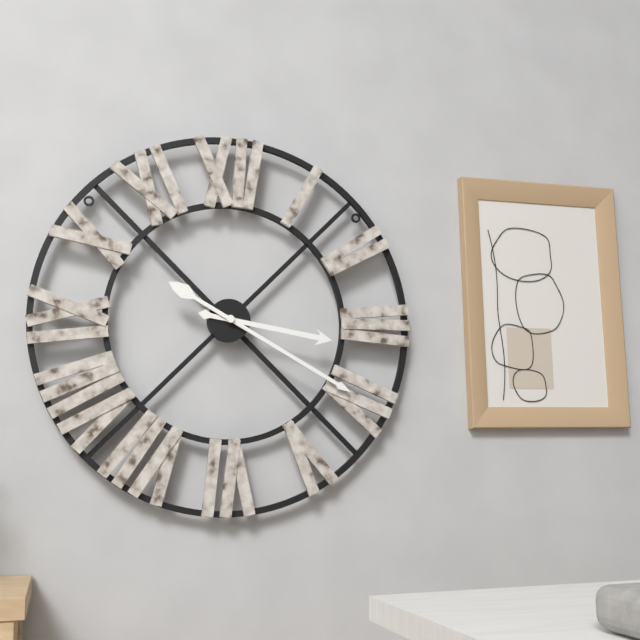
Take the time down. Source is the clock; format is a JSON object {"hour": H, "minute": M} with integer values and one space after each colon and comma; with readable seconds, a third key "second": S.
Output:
{"hour": 3, "minute": 20}
